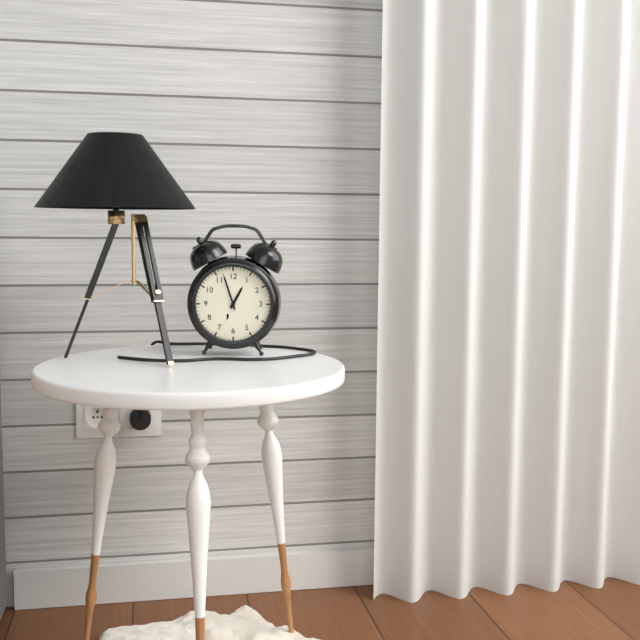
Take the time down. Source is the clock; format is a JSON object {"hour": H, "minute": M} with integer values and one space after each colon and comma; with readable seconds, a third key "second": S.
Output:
{"hour": 12, "minute": 57}
